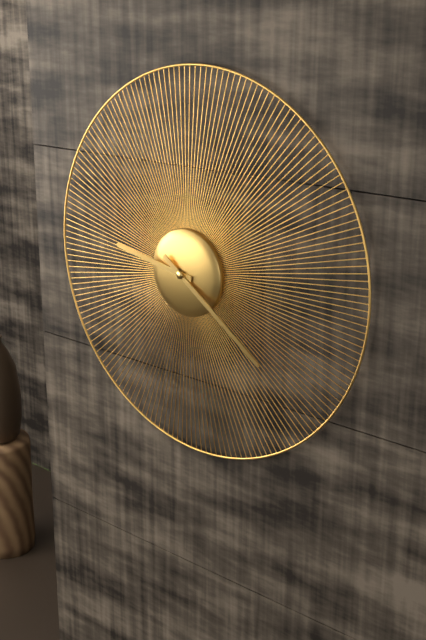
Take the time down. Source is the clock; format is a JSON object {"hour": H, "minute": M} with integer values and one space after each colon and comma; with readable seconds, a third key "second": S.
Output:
{"hour": 9, "minute": 21}
